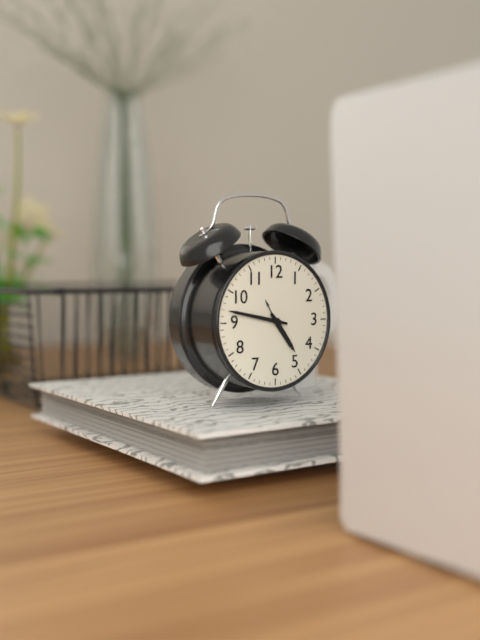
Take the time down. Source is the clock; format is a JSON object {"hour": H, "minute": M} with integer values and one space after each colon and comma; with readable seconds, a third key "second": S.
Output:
{"hour": 4, "minute": 47}
